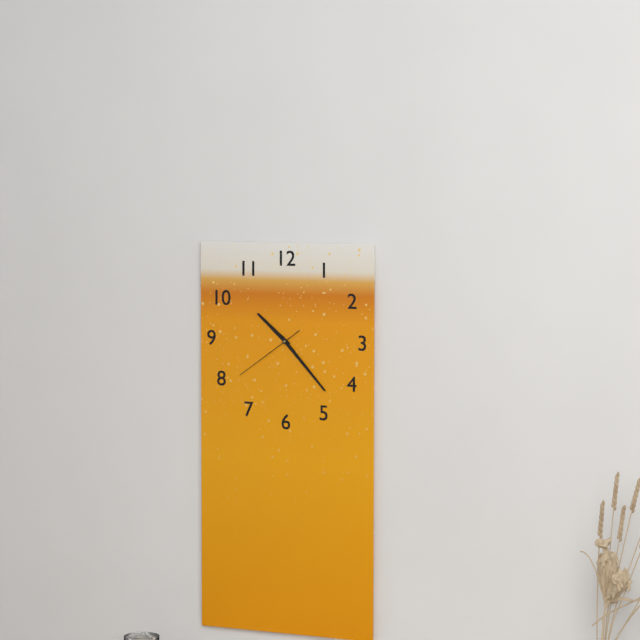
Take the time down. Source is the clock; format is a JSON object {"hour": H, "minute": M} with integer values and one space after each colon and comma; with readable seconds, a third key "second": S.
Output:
{"hour": 10, "minute": 23, "second": 39}
